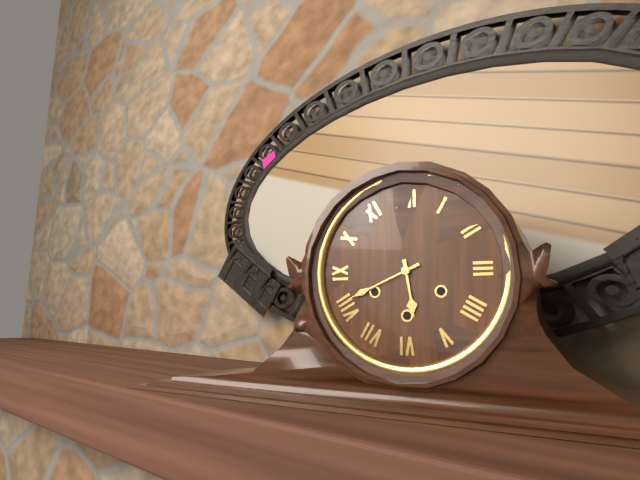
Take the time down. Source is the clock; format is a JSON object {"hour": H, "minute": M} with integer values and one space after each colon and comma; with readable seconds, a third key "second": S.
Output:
{"hour": 5, "minute": 41}
